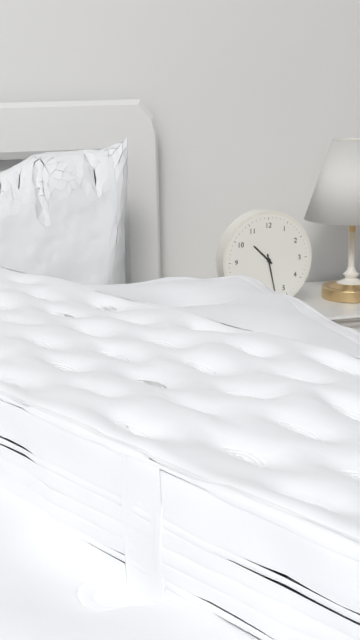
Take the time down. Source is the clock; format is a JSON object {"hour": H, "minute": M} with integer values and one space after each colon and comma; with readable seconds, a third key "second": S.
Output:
{"hour": 10, "minute": 28}
